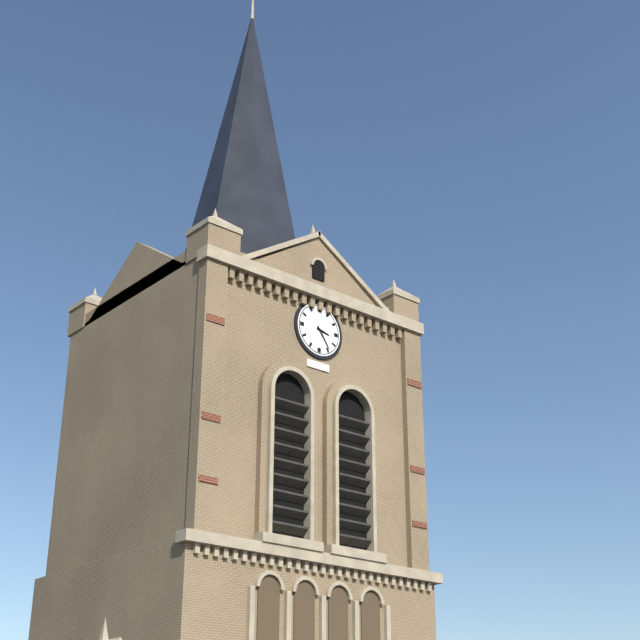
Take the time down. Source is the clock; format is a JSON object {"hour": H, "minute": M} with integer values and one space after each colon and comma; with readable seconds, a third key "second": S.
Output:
{"hour": 3, "minute": 24}
